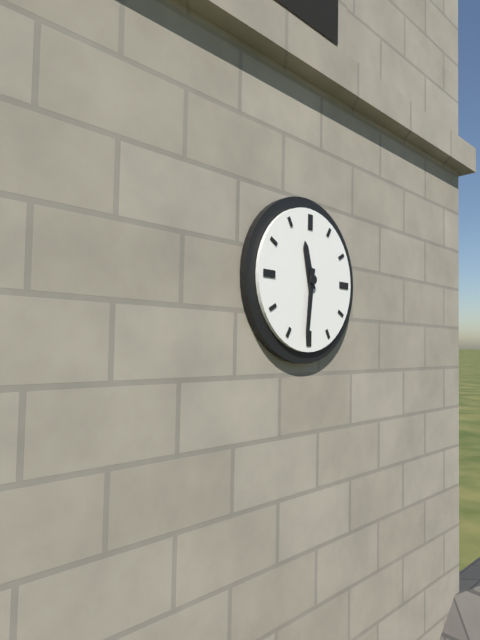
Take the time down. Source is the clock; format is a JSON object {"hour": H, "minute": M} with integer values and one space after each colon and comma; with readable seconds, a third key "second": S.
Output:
{"hour": 11, "minute": 31}
